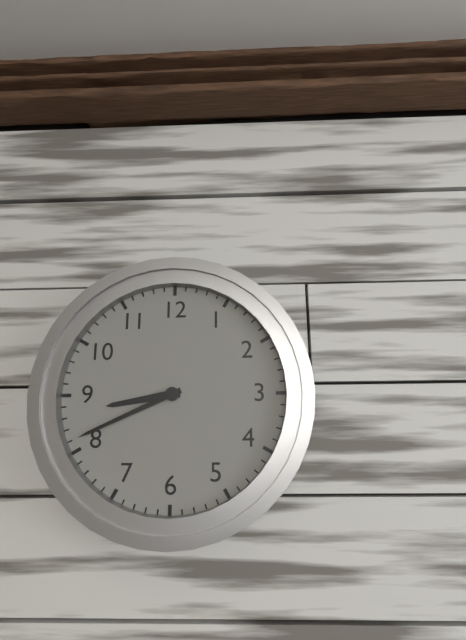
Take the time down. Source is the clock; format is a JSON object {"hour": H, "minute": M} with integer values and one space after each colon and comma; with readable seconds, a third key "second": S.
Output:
{"hour": 8, "minute": 41}
